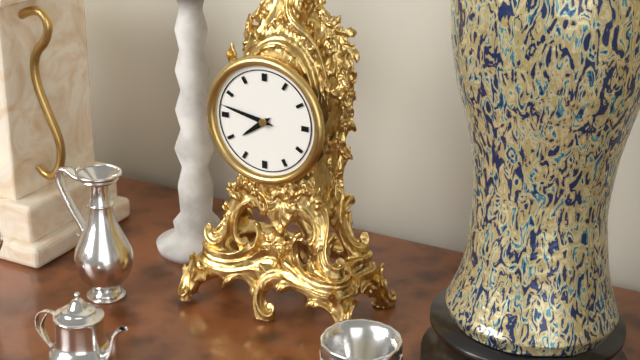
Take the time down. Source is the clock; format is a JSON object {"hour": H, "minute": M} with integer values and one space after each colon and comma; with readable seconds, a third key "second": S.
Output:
{"hour": 7, "minute": 47}
